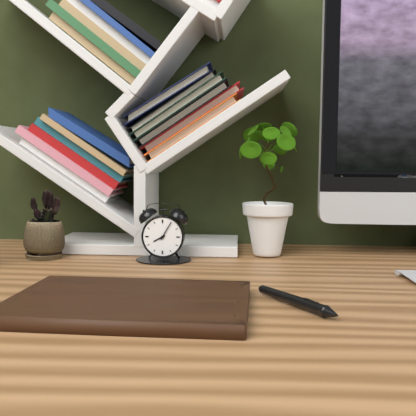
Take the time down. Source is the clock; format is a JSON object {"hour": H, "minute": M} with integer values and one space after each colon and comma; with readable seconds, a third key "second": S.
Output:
{"hour": 8, "minute": 5}
